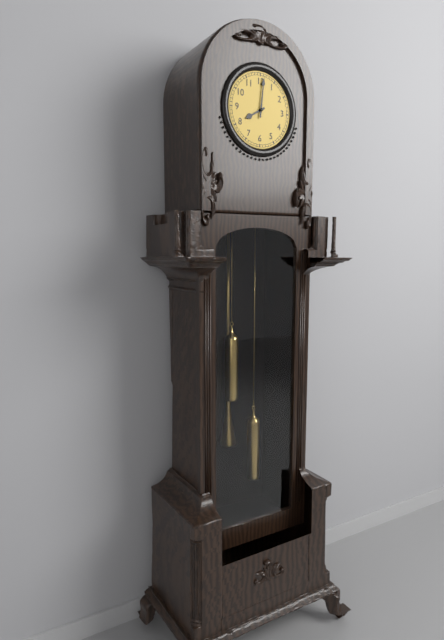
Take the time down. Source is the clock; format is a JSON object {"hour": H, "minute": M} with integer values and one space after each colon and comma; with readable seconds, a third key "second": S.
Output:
{"hour": 8, "minute": 1}
